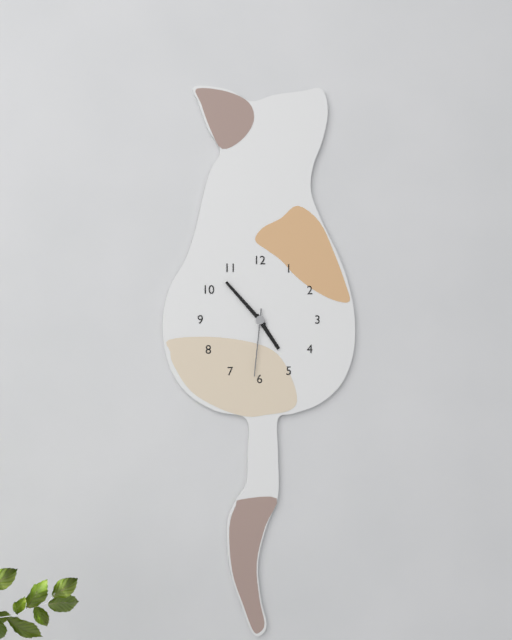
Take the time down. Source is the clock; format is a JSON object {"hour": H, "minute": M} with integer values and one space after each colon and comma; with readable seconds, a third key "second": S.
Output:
{"hour": 4, "minute": 53, "second": 31}
